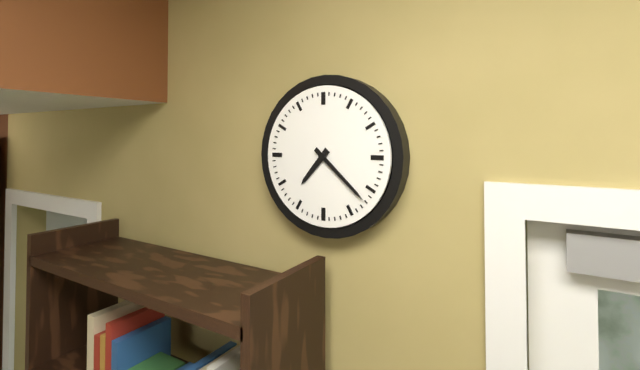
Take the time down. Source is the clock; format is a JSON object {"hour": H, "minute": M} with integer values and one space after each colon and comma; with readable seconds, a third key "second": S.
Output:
{"hour": 7, "minute": 22}
